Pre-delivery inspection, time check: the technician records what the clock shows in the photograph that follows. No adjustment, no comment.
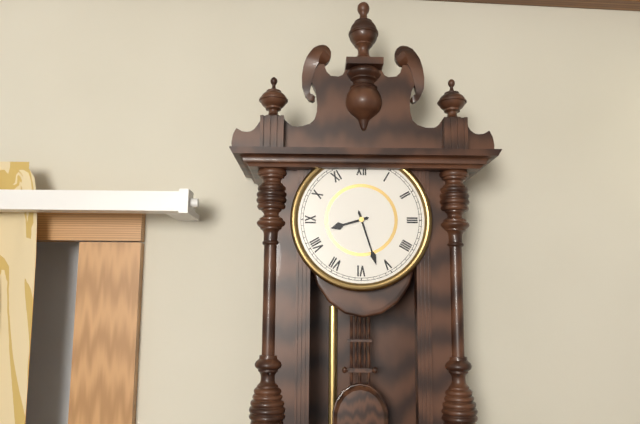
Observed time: 8:27
